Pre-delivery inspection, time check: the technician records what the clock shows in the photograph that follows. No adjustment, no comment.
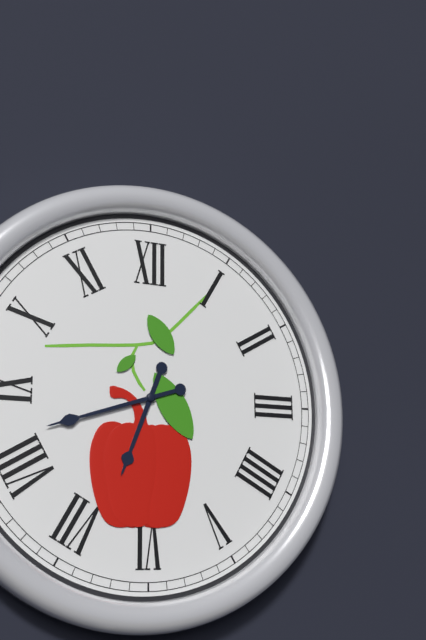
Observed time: 6:42
